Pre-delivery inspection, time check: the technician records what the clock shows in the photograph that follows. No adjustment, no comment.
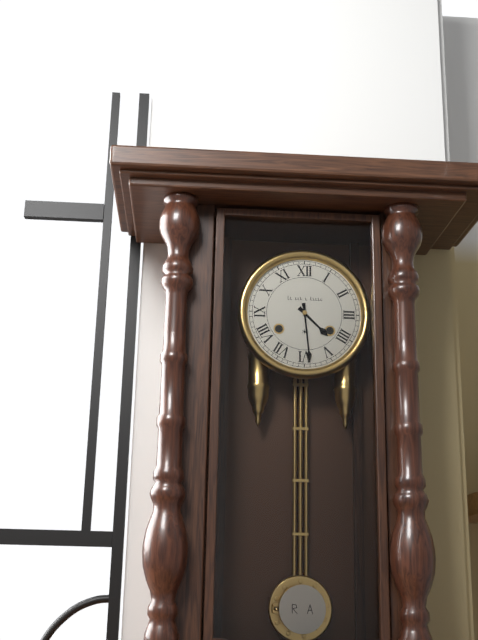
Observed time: 4:29
